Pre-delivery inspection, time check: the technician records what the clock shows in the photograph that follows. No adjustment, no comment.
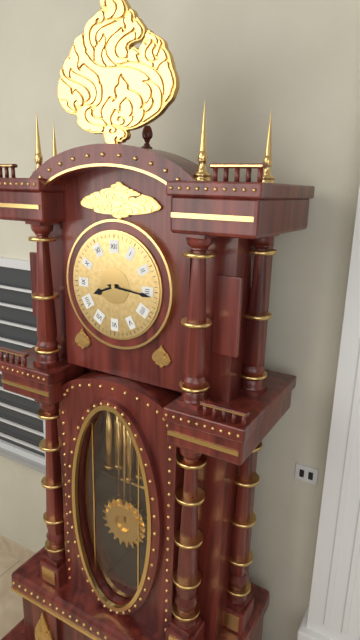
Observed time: 8:16
